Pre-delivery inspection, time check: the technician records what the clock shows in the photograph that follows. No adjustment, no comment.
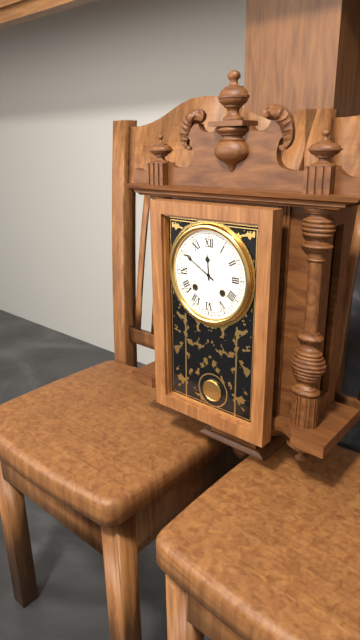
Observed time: 11:50
